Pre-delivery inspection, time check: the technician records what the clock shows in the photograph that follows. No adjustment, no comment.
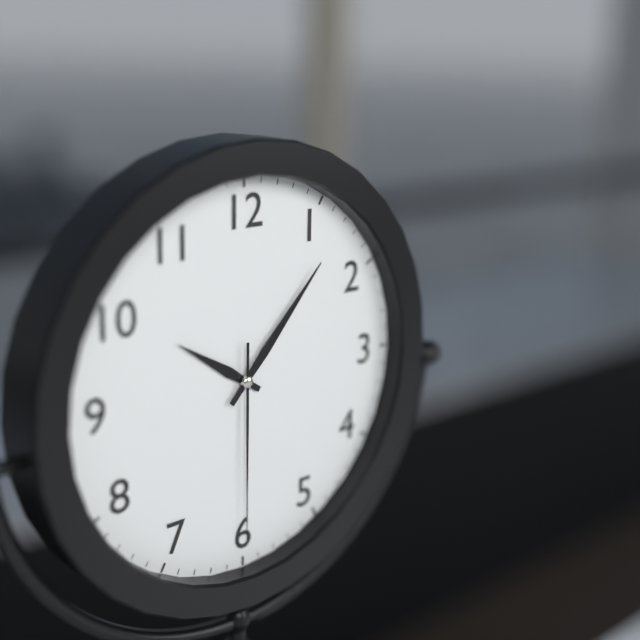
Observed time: 10:07:30
